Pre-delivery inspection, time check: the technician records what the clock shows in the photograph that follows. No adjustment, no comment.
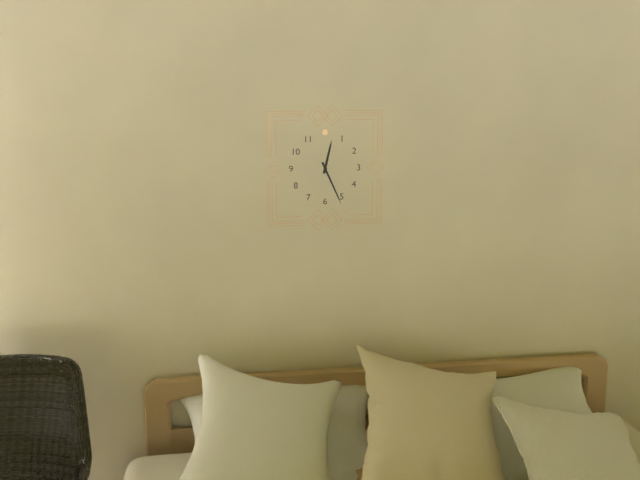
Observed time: 12:26
